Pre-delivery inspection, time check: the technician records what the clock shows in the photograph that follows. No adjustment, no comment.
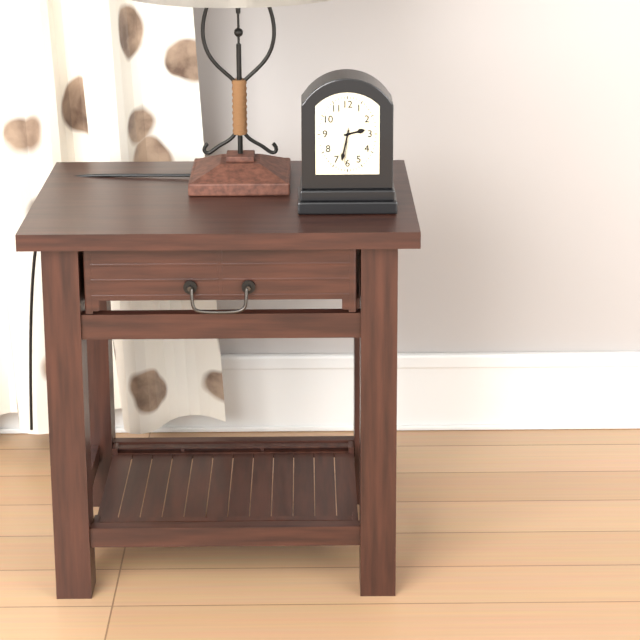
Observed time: 2:32
